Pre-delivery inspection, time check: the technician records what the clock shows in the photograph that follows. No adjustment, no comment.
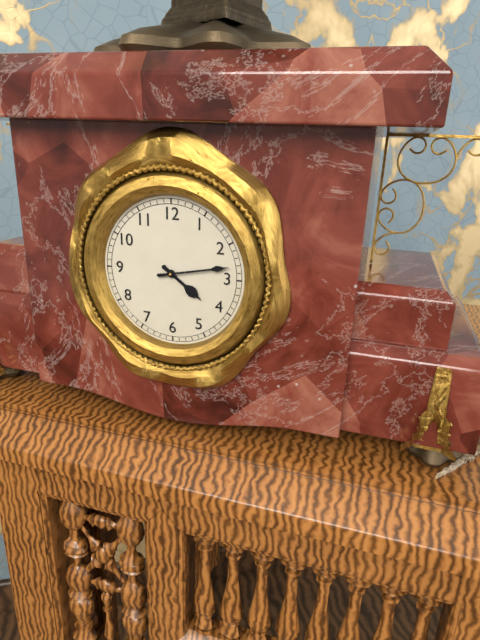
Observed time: 4:13
